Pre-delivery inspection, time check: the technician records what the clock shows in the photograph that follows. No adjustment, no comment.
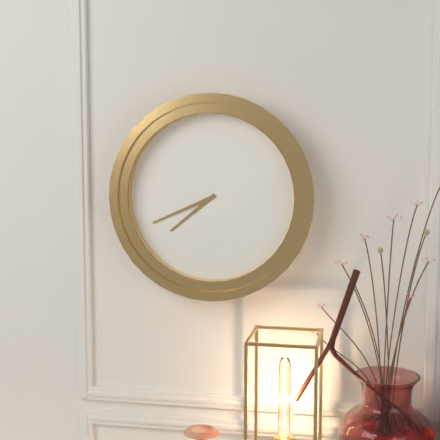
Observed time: 7:41
